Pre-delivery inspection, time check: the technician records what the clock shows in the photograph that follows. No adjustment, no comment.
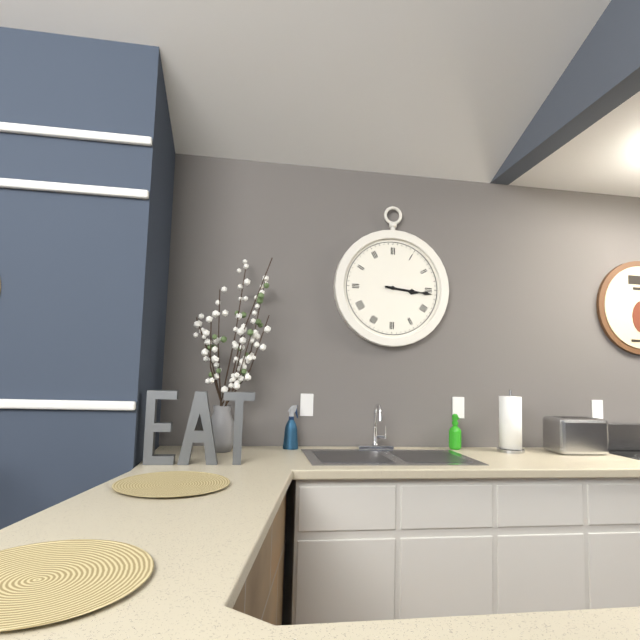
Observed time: 3:16
